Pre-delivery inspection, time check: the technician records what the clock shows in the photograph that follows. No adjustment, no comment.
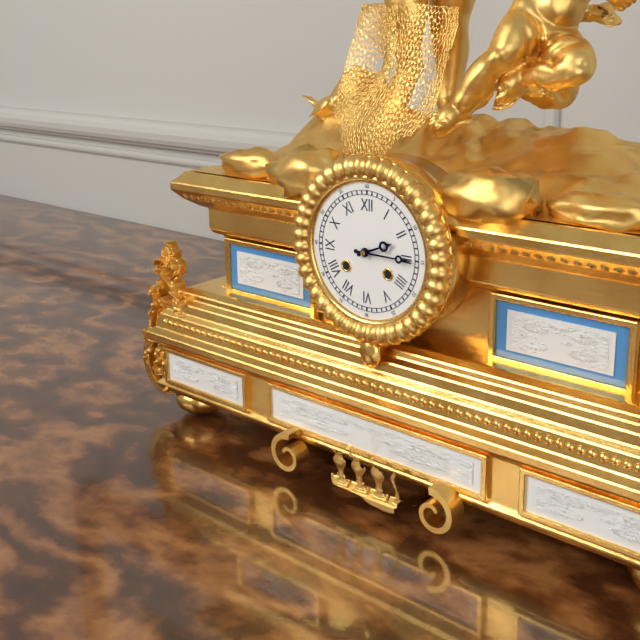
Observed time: 2:15
